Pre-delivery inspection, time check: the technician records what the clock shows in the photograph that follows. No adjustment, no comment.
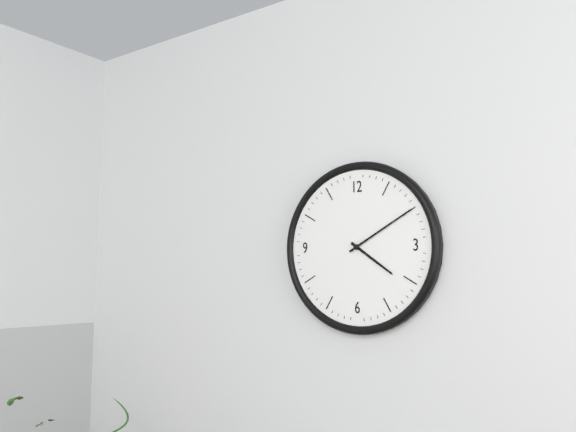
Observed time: 4:10
